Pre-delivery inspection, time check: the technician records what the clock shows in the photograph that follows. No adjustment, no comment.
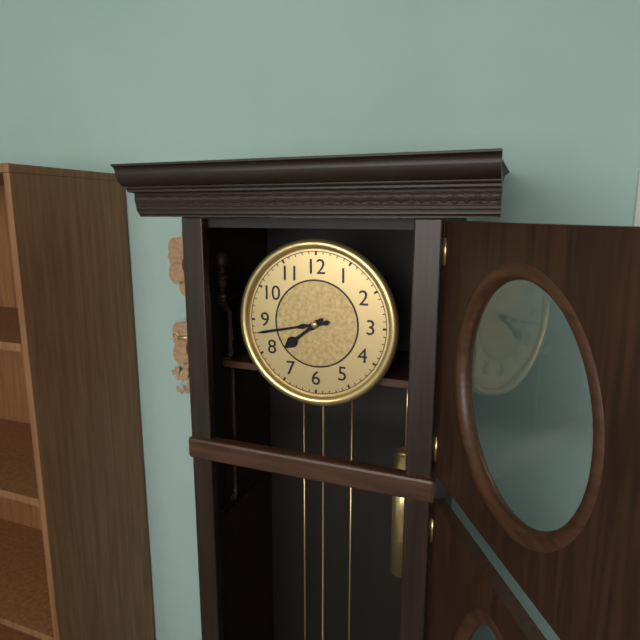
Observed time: 7:43
